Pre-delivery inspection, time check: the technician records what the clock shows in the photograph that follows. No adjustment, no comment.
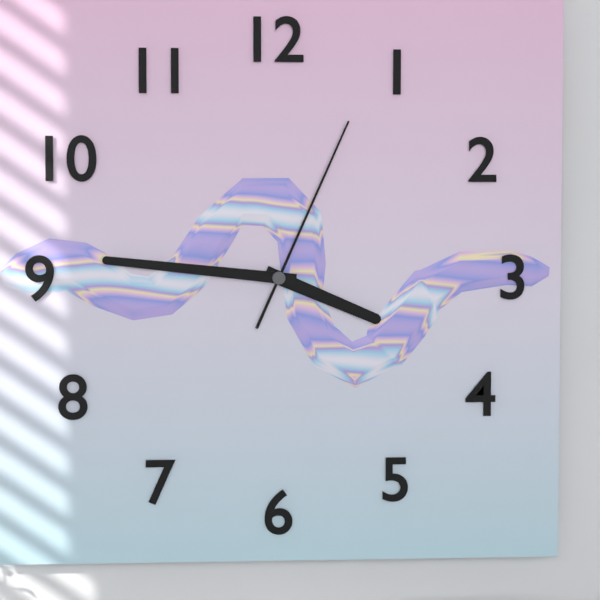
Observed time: 3:46:04
